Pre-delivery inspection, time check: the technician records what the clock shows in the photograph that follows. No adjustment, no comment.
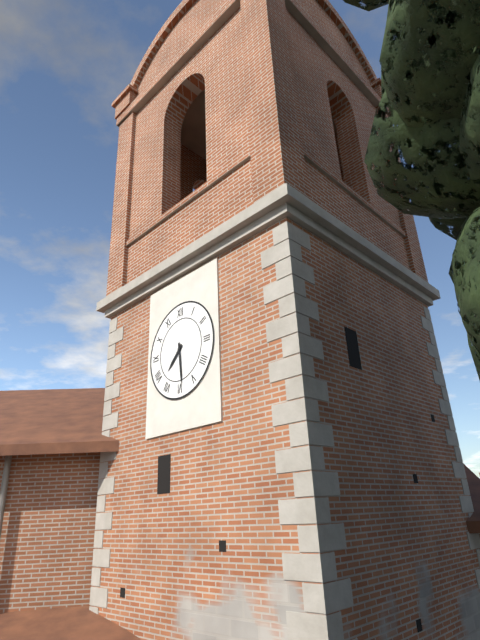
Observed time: 7:29
